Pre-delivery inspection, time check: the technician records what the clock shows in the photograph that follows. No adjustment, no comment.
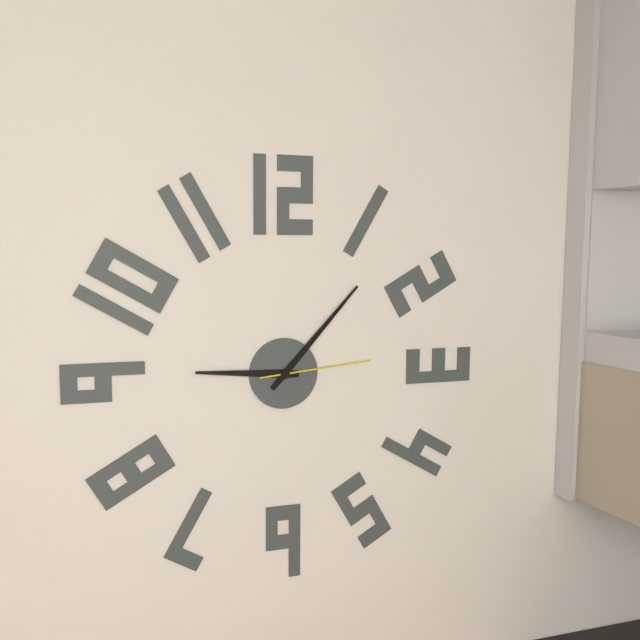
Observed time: 9:07:14
